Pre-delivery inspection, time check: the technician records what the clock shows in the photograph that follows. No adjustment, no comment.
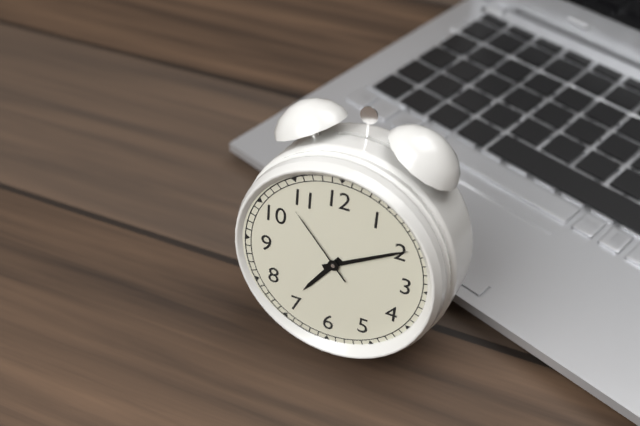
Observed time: 7:10:53
